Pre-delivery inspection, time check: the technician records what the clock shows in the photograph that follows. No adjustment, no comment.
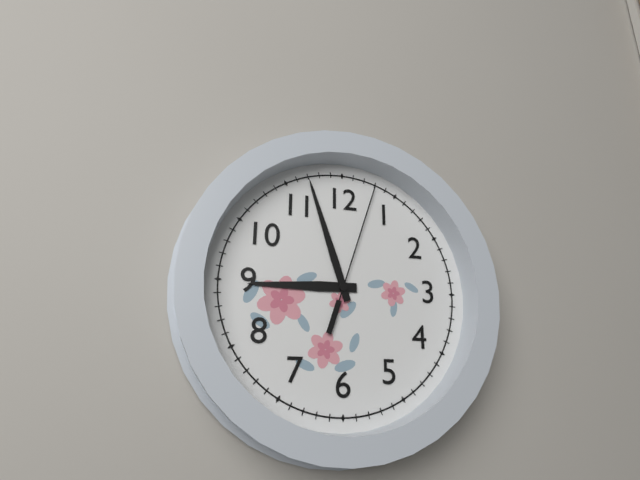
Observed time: 8:57:03
